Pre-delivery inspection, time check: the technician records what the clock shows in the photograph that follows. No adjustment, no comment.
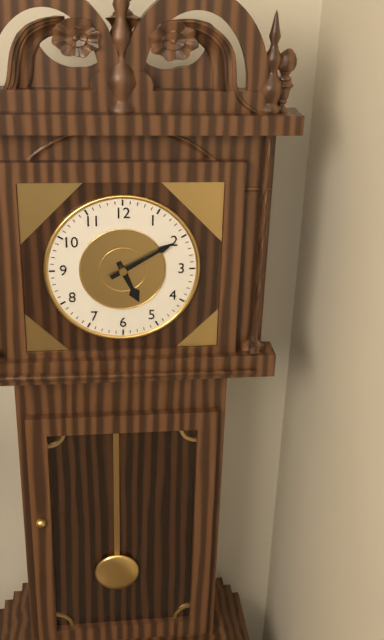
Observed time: 5:10
